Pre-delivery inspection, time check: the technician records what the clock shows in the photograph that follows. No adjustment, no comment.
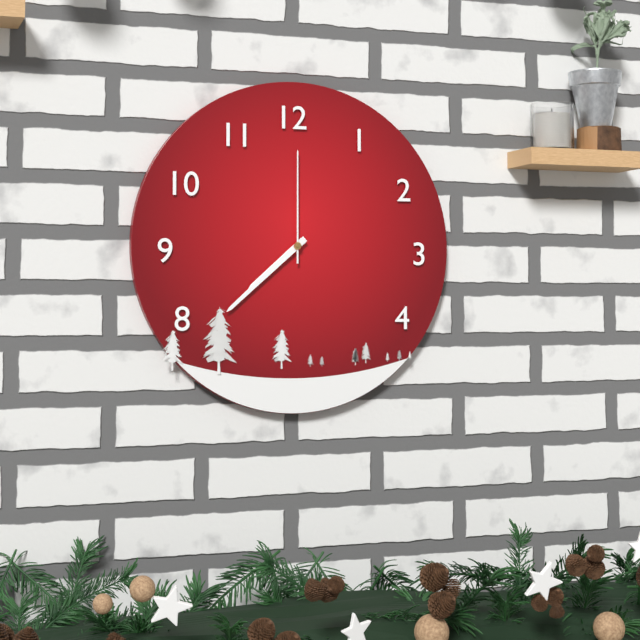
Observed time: 7:38:00
